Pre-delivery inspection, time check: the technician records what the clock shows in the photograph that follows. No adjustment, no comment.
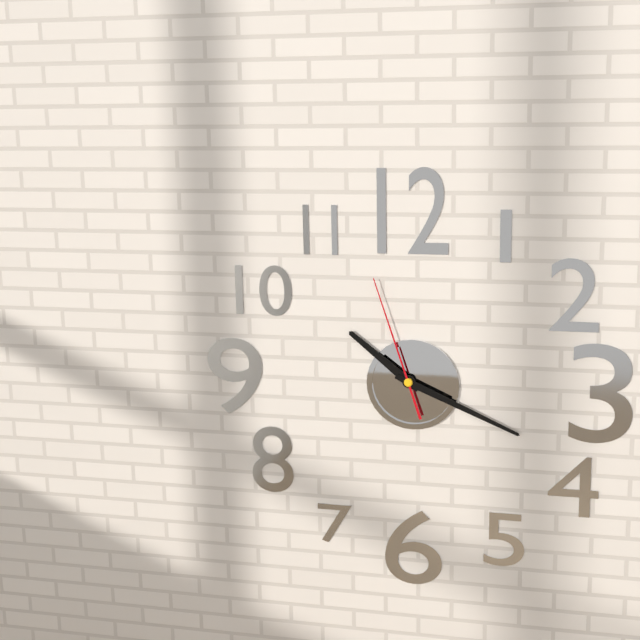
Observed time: 10:19:57
